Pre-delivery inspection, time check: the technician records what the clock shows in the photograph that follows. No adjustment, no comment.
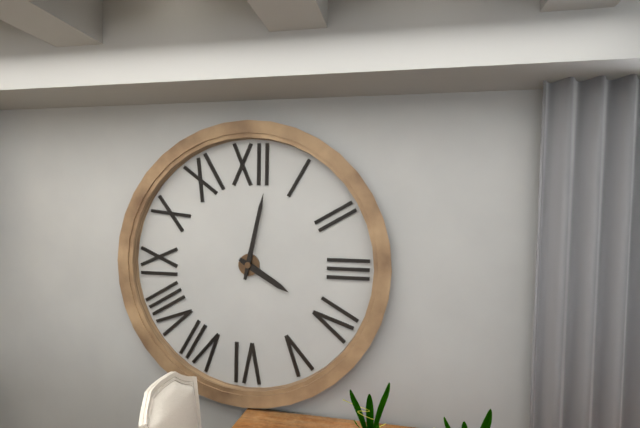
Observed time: 4:02
